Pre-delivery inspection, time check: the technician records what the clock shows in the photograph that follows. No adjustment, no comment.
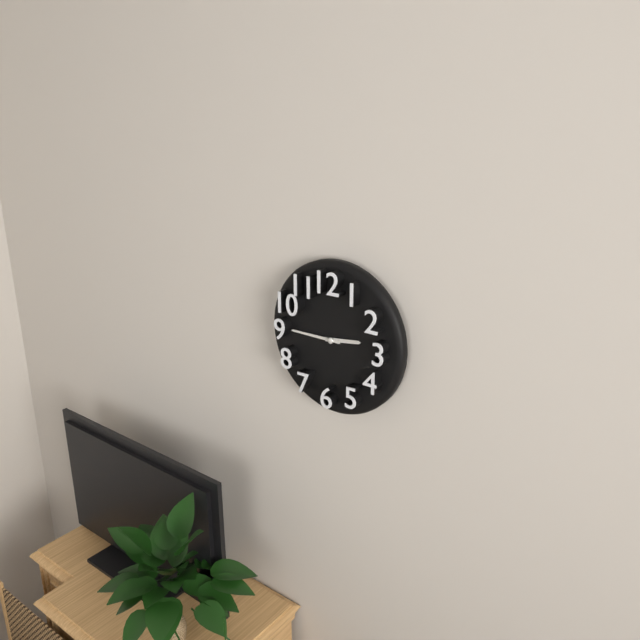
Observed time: 2:45
